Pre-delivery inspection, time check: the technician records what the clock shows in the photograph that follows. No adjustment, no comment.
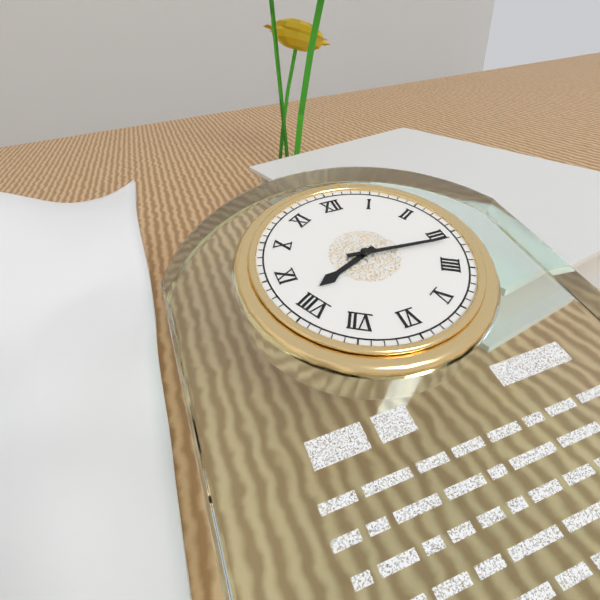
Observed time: 8:16
